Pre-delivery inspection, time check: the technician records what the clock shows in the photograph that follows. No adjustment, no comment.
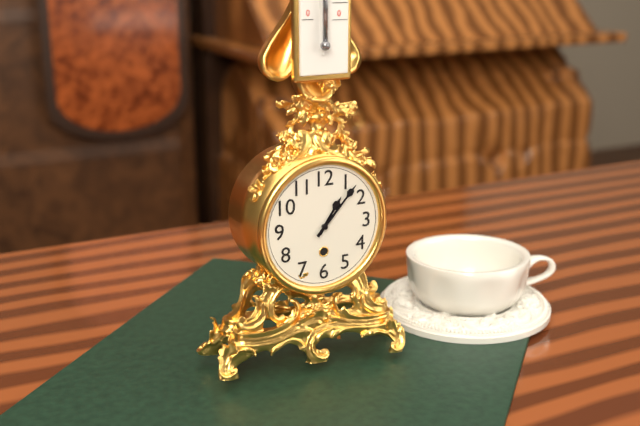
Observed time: 1:07
